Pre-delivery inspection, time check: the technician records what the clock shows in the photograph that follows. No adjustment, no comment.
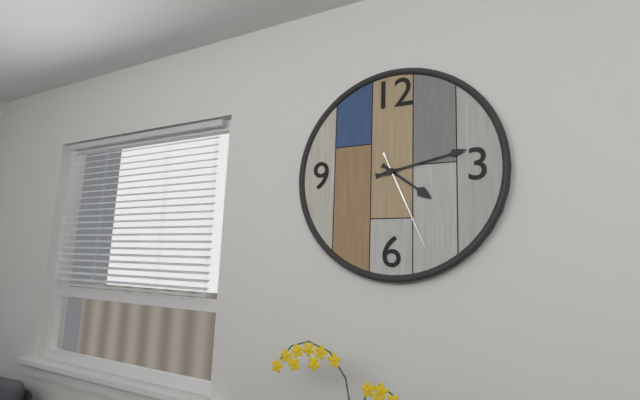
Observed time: 4:13:26
